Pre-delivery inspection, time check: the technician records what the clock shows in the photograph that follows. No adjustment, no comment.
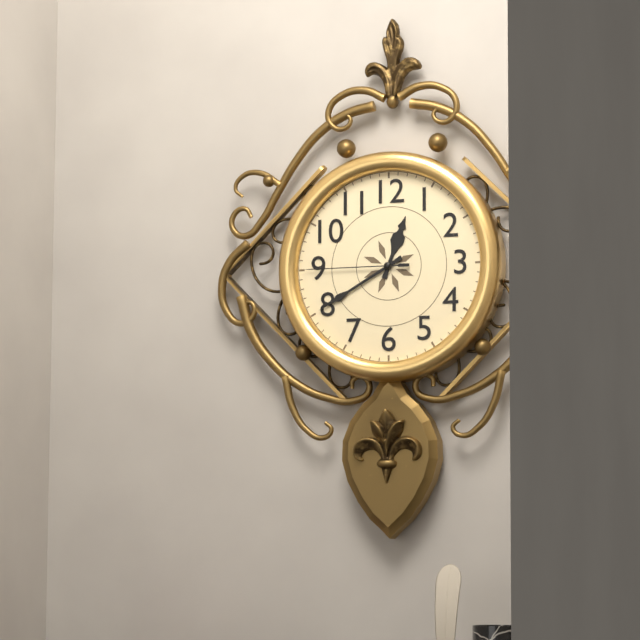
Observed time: 12:40:45
